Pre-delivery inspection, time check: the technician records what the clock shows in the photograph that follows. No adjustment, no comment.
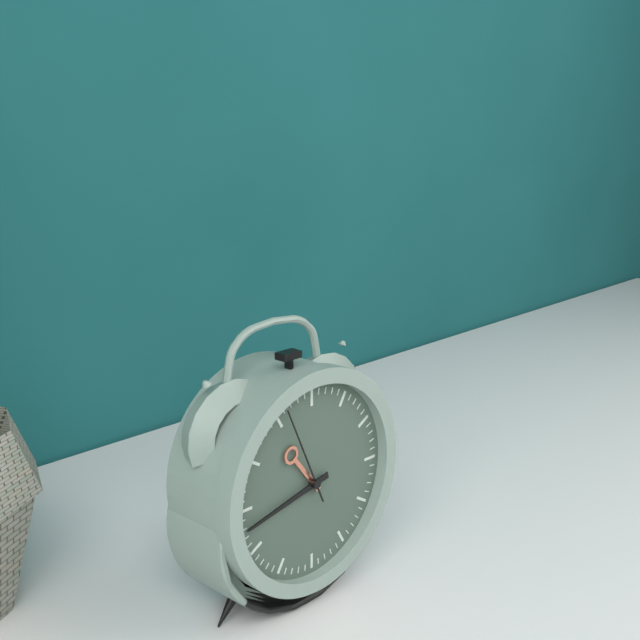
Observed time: 10:43:56
